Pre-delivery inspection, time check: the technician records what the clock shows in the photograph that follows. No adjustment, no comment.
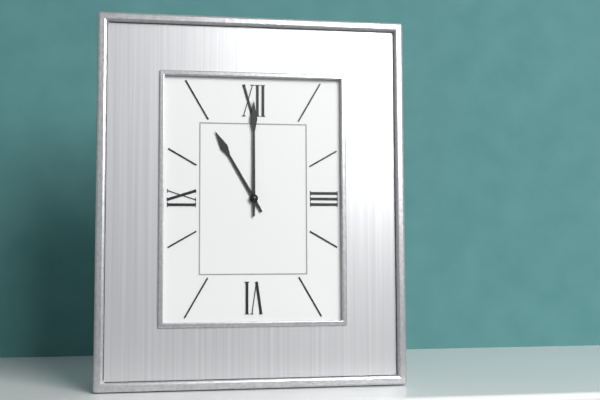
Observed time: 11:00
